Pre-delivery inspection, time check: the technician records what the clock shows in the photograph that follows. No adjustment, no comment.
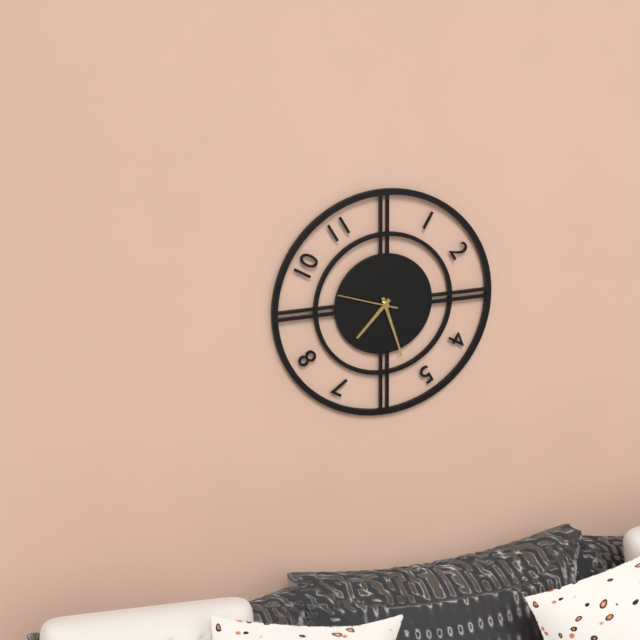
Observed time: 7:27:48
